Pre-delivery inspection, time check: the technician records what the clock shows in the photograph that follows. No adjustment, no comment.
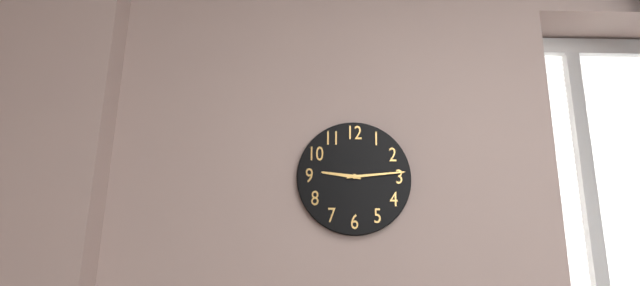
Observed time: 9:14
